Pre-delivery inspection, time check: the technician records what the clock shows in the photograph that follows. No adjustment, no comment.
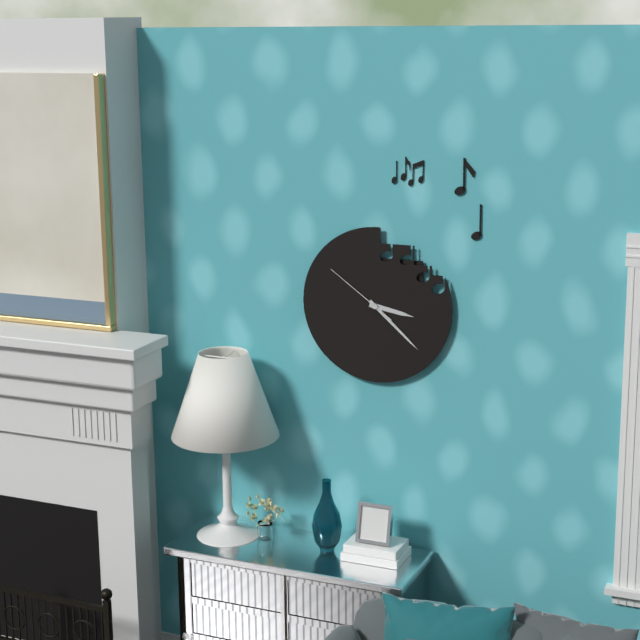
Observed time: 3:22:51
